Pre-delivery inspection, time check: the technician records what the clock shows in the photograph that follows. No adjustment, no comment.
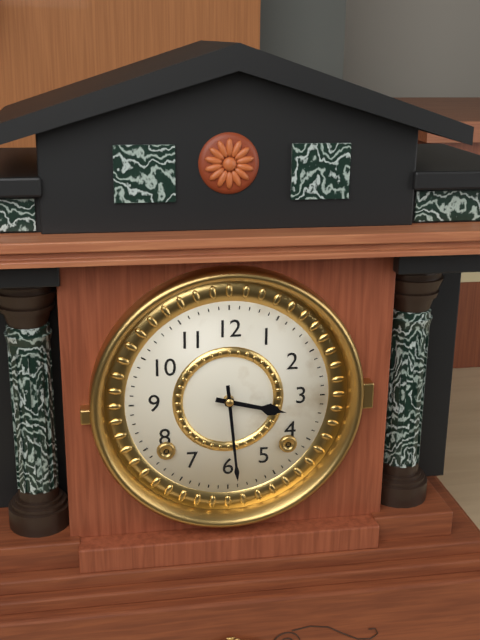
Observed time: 3:29
